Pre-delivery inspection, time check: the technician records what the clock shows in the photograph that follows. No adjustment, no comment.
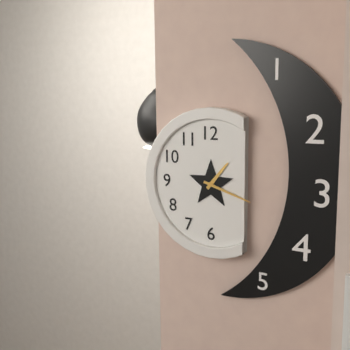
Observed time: 1:18
